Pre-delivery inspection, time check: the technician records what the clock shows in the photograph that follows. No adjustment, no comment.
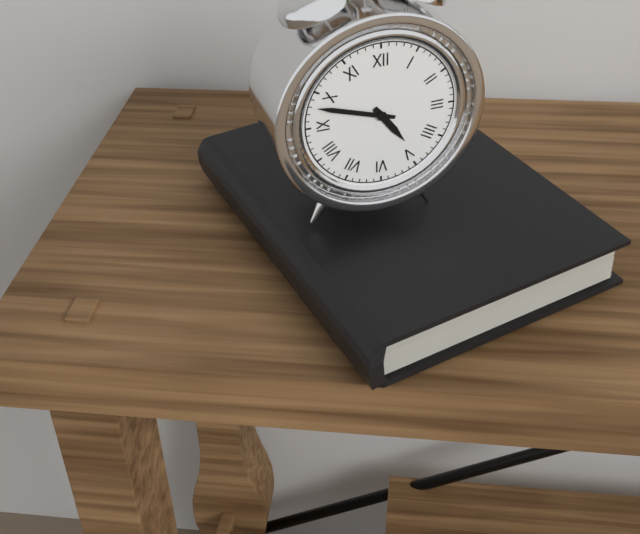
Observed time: 4:48
